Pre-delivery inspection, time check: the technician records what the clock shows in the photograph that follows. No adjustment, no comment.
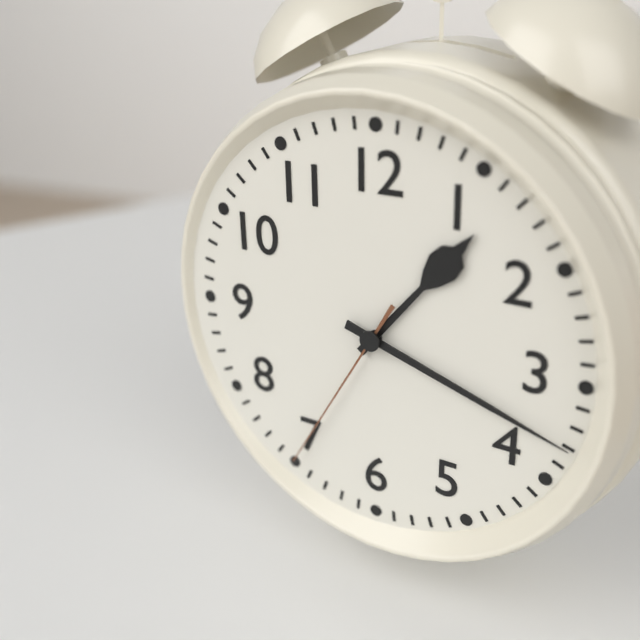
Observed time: 1:18:35
